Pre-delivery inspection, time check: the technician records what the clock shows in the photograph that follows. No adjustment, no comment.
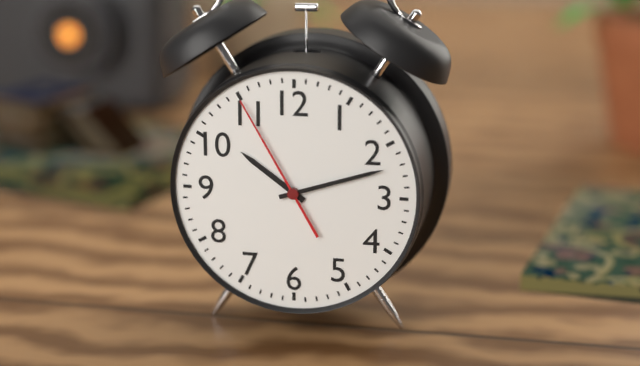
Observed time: 10:12:55
